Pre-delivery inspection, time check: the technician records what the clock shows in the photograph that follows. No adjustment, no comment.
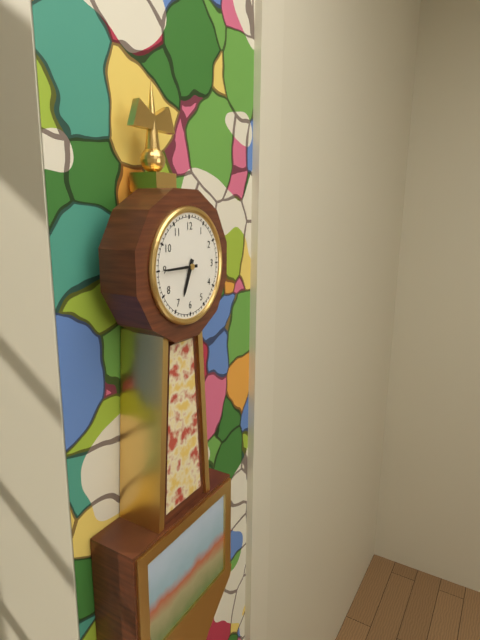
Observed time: 6:45
